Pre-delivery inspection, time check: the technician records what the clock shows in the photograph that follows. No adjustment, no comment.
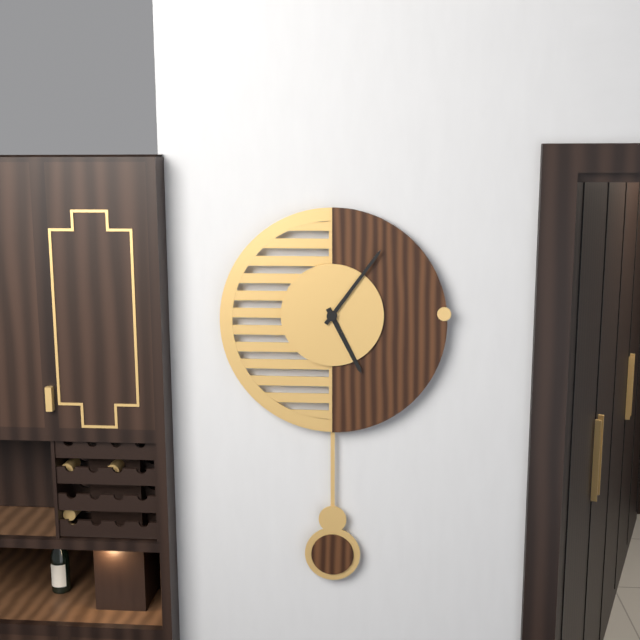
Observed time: 5:06
